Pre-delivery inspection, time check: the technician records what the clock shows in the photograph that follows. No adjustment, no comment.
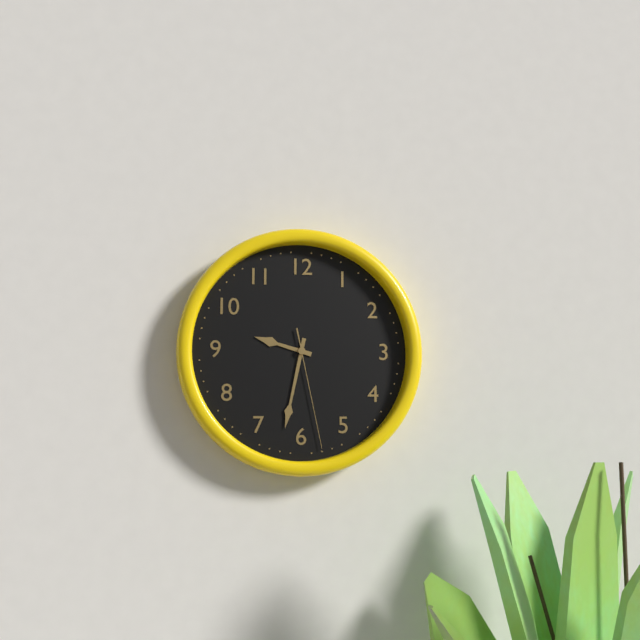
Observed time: 9:32:28
